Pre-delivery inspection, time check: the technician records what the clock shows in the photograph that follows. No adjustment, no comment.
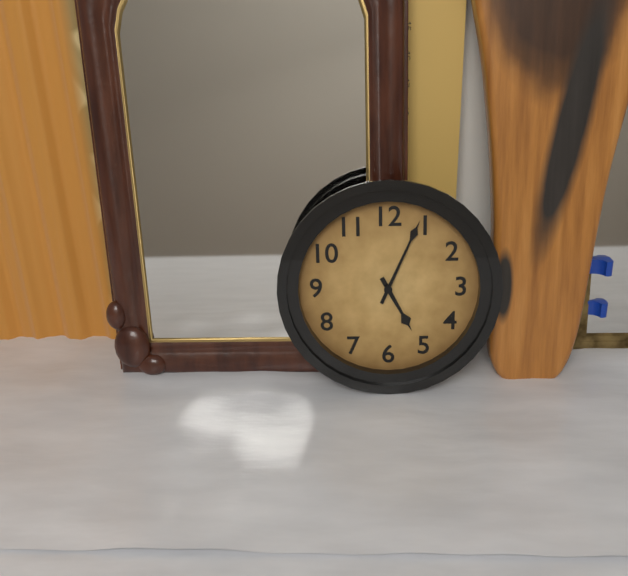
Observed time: 5:04
